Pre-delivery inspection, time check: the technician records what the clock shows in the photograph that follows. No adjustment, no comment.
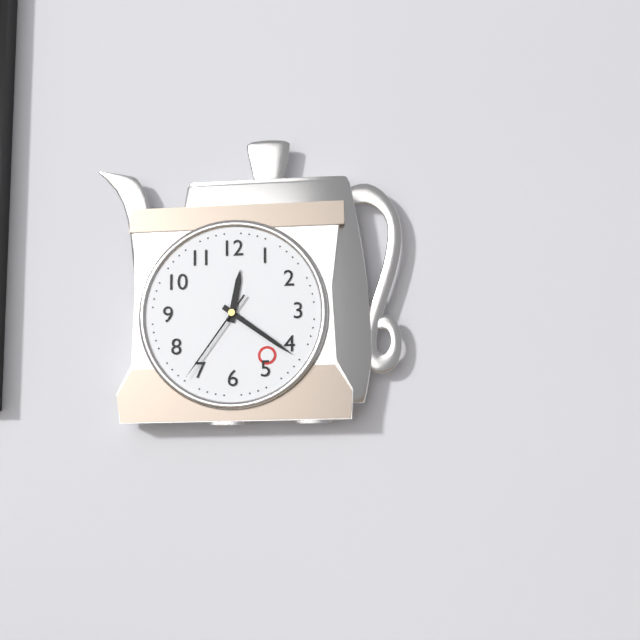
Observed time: 12:21:36
